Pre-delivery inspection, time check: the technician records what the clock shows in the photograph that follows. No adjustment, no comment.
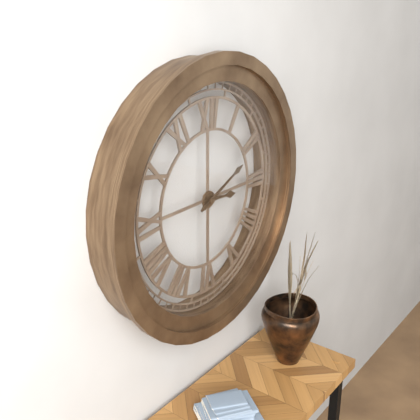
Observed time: 3:11
